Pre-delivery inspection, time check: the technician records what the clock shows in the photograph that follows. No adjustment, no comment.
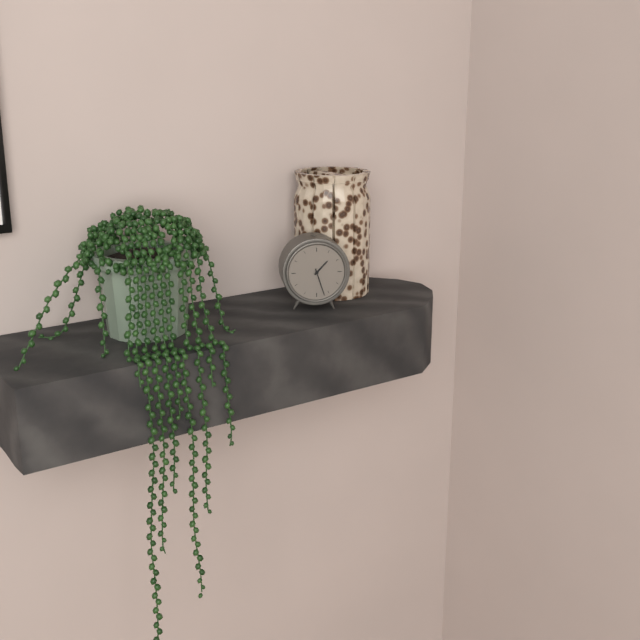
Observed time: 1:27
